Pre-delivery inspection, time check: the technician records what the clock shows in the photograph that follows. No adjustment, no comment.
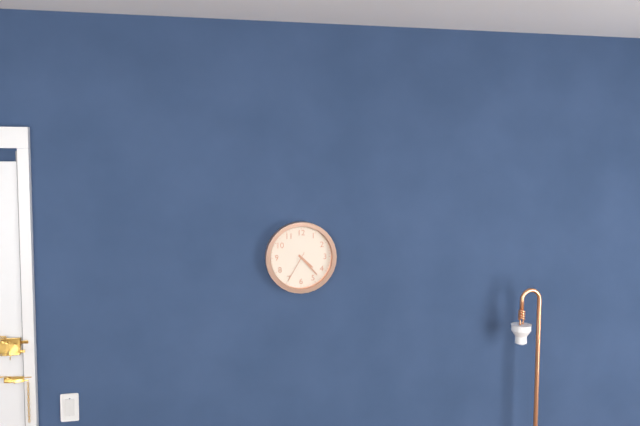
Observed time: 4:23
